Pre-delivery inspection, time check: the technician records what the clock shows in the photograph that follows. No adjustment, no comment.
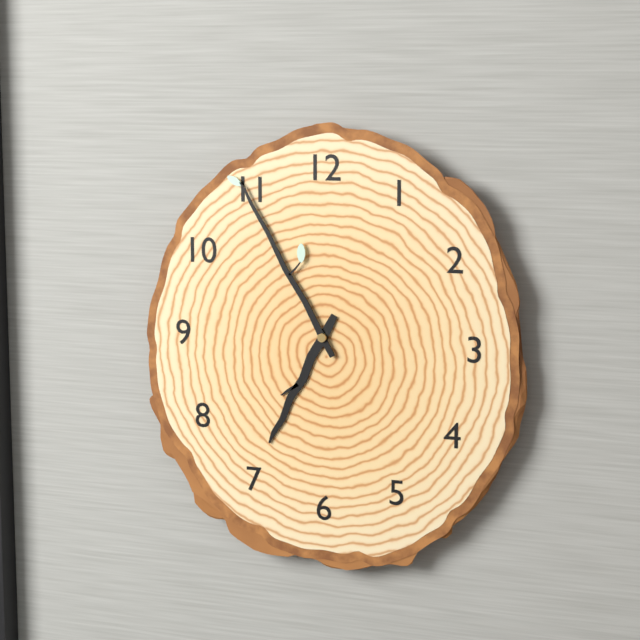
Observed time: 6:55
